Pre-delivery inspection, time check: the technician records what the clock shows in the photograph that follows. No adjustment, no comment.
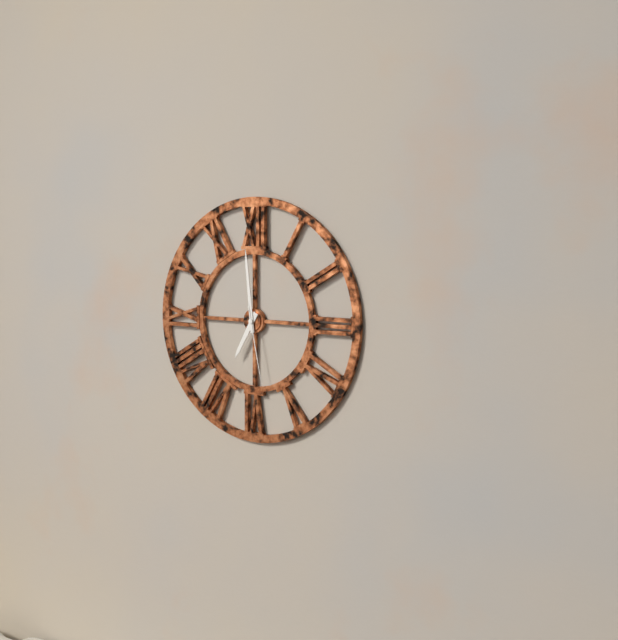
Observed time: 6:59:28
